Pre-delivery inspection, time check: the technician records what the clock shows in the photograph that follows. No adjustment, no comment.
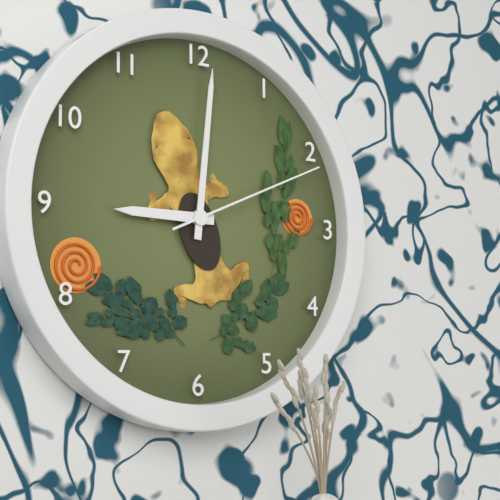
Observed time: 9:01:11
